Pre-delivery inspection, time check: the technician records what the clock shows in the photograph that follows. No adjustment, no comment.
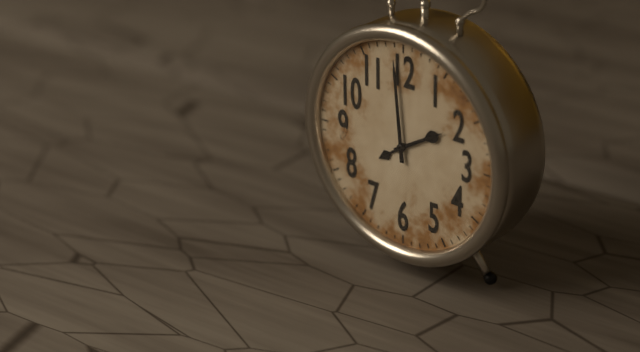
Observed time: 1:59
